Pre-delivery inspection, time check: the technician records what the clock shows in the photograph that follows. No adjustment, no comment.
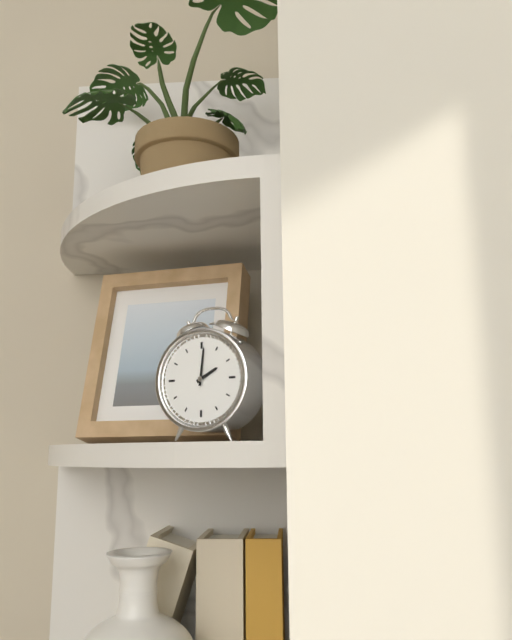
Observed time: 2:01
